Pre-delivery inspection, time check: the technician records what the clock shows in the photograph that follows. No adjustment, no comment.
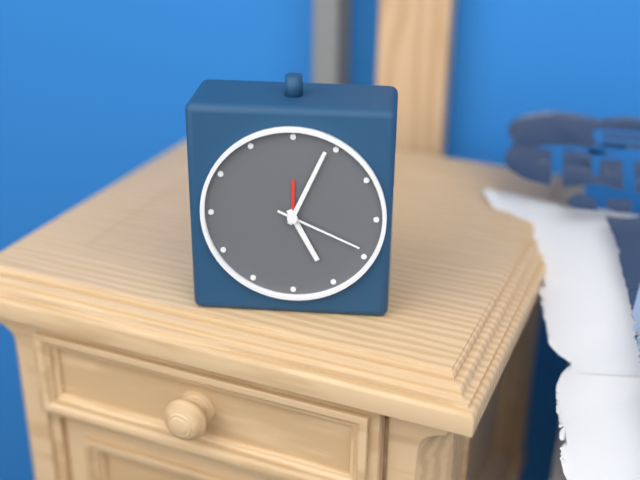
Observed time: 5:04:19
